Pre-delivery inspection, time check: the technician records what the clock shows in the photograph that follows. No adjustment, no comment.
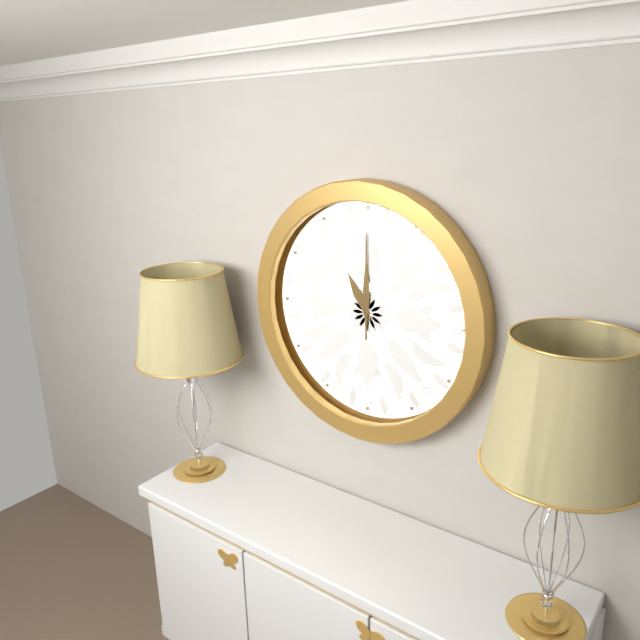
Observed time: 11:00
